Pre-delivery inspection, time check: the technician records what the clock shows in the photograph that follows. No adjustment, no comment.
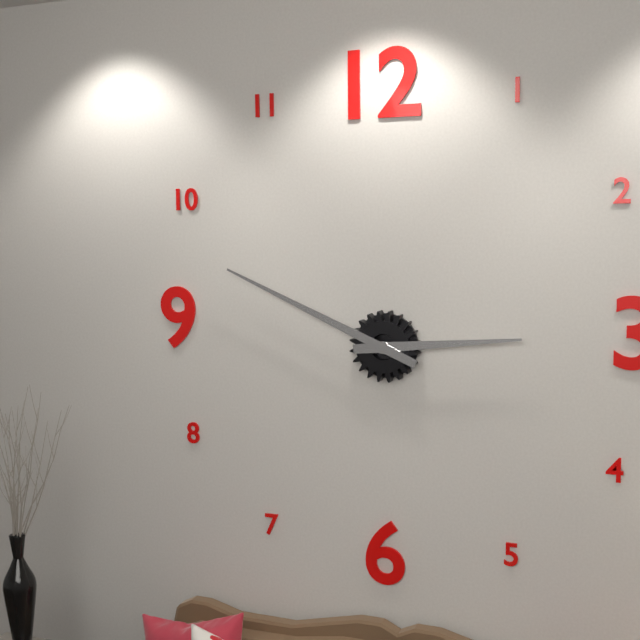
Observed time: 2:49
